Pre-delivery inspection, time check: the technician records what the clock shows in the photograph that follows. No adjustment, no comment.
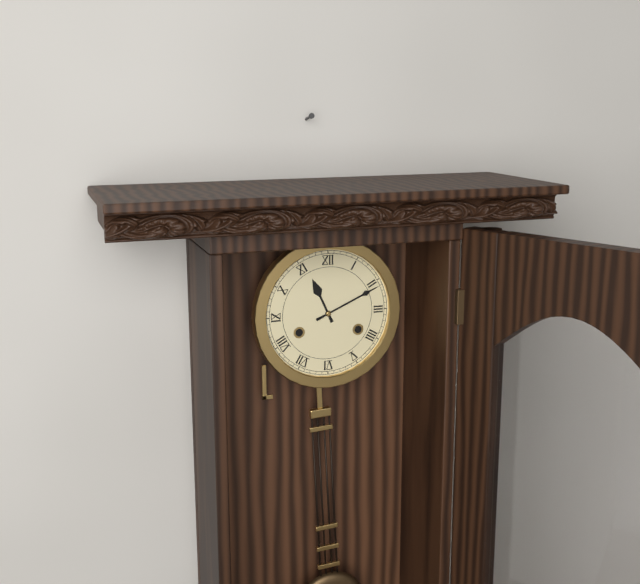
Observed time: 11:11
